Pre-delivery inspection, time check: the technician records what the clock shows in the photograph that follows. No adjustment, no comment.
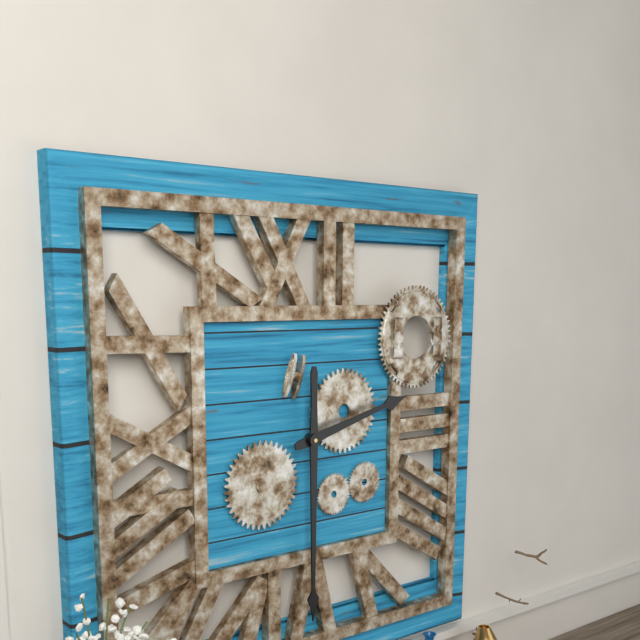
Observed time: 2:30
